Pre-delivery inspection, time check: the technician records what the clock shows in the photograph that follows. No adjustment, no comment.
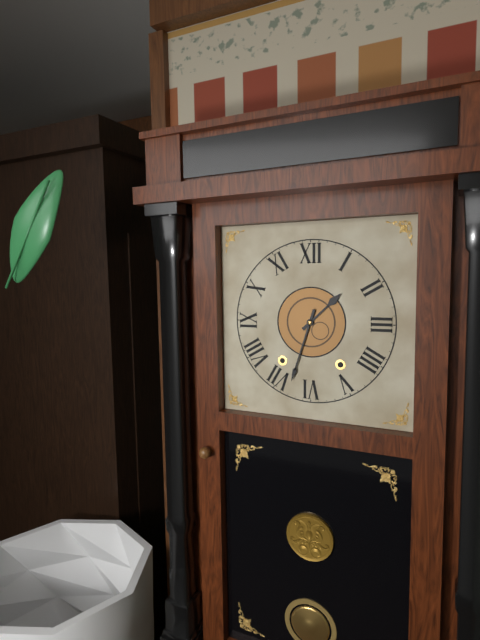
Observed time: 1:33
